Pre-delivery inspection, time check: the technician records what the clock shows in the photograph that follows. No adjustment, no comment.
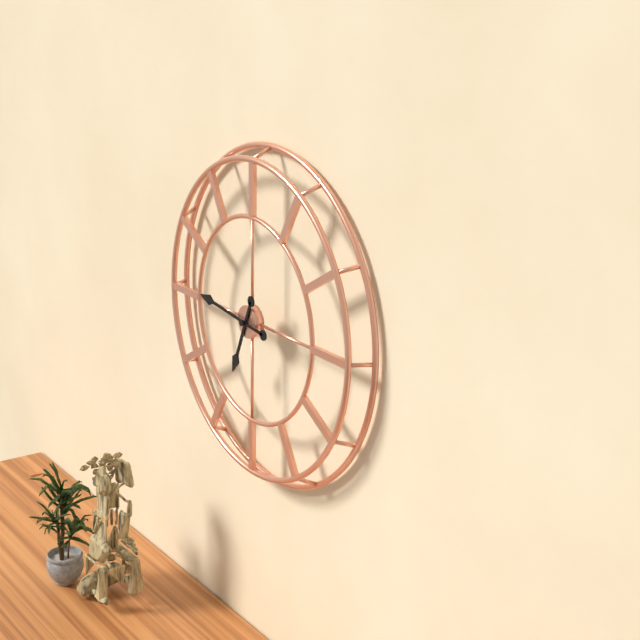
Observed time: 6:46
